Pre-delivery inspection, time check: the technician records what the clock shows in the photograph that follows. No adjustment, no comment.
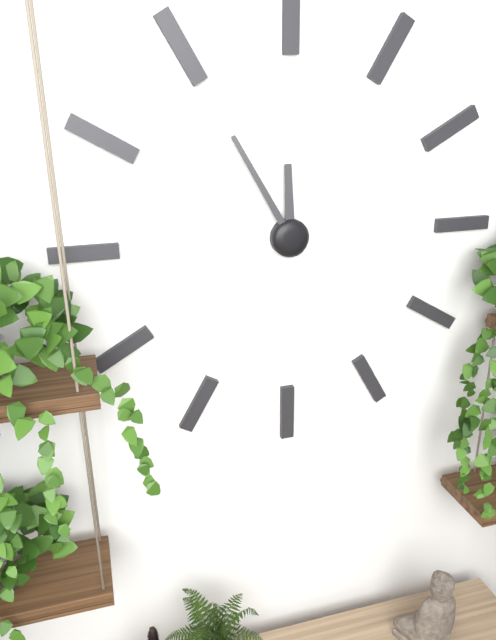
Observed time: 11:55
